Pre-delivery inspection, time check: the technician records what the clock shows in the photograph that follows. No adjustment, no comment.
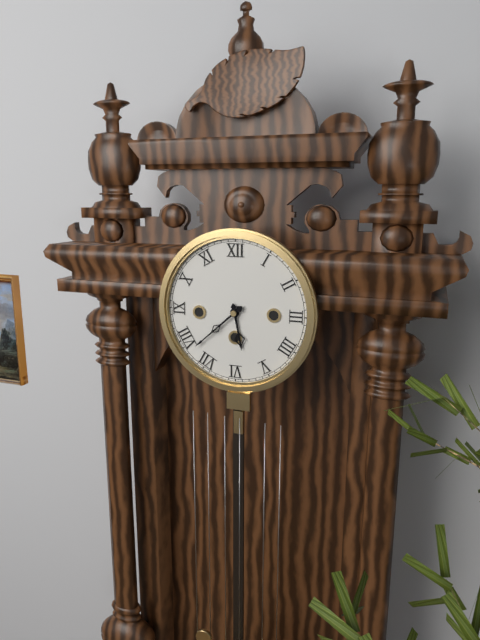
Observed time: 5:38
